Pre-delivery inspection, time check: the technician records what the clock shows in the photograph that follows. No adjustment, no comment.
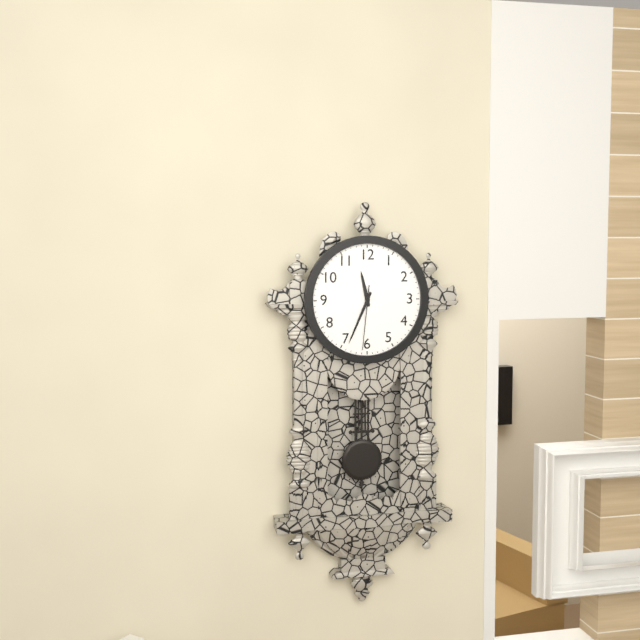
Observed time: 11:34:31
